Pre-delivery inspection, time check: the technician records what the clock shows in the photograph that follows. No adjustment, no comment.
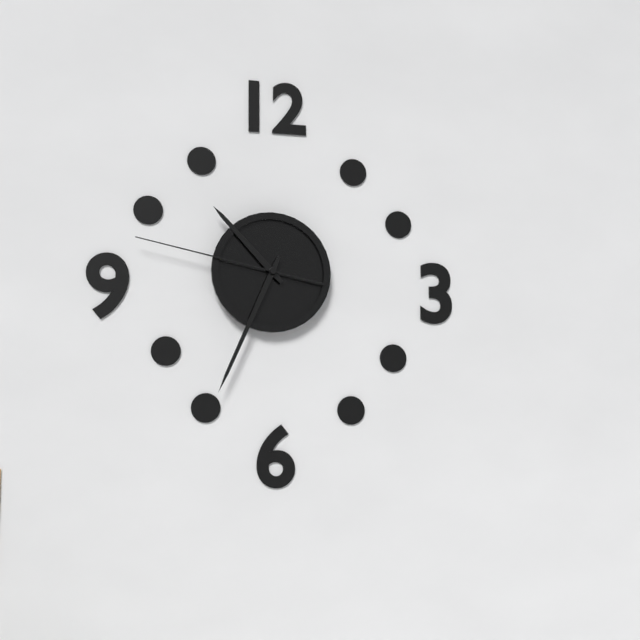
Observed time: 10:34:47
